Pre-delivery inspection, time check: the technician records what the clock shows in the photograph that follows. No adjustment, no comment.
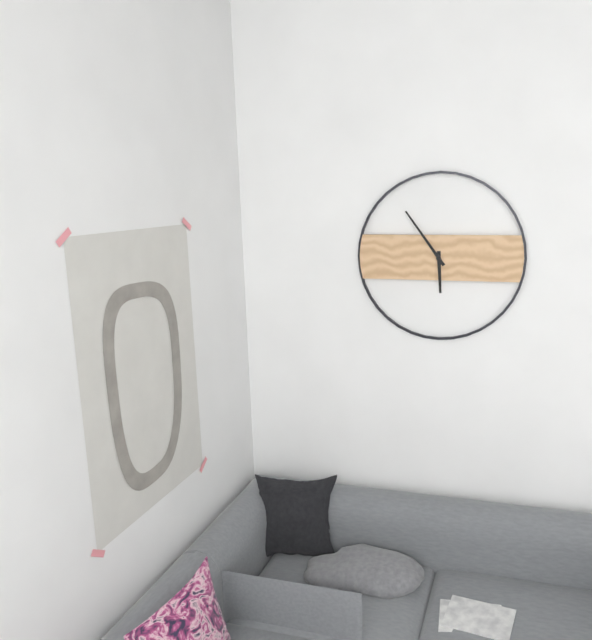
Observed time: 5:54
